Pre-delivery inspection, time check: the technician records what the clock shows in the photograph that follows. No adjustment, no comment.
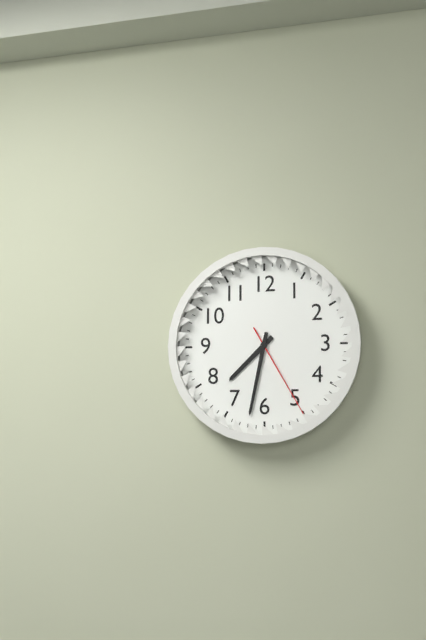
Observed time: 7:32:25
